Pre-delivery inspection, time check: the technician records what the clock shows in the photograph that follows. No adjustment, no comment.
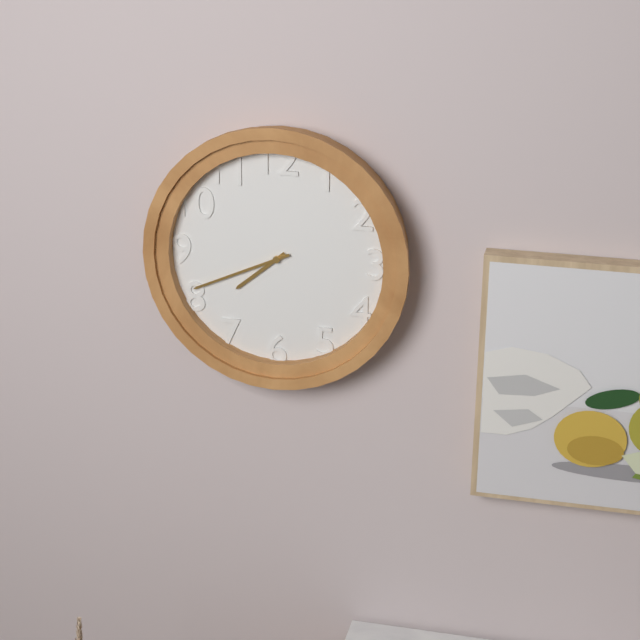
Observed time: 7:41
